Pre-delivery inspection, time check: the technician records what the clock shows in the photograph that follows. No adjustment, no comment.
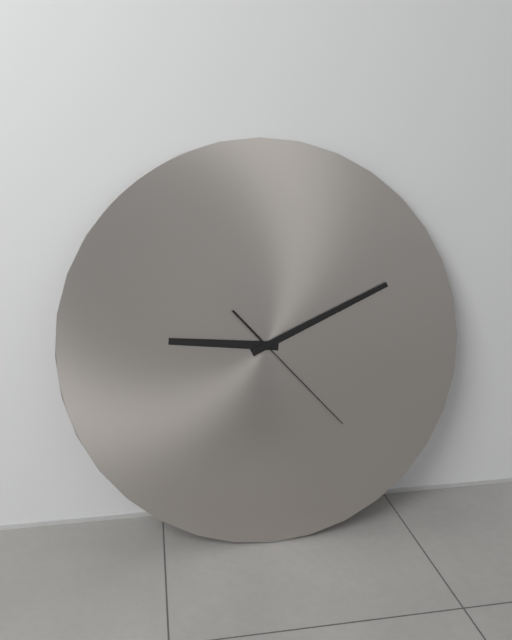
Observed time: 9:11:23
